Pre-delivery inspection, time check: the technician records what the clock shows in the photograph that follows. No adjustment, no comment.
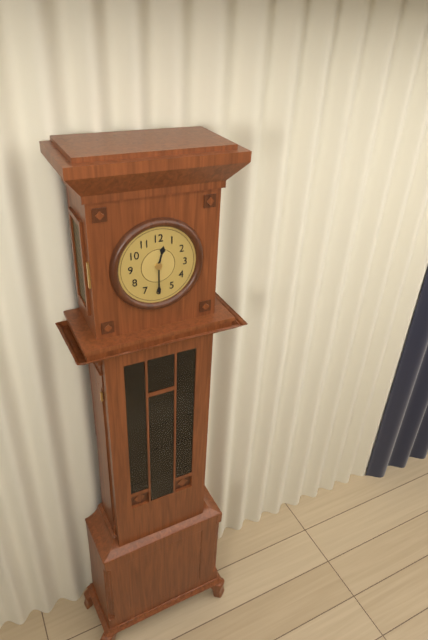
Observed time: 12:30
